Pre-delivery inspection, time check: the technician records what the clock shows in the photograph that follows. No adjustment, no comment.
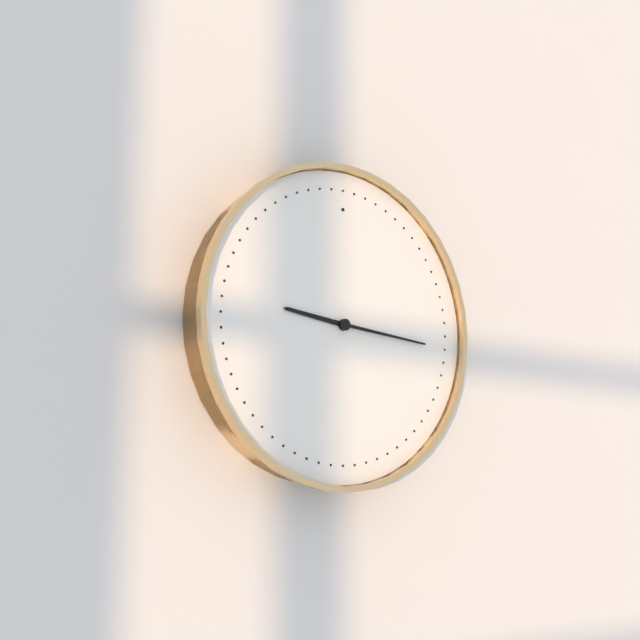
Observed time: 9:16
